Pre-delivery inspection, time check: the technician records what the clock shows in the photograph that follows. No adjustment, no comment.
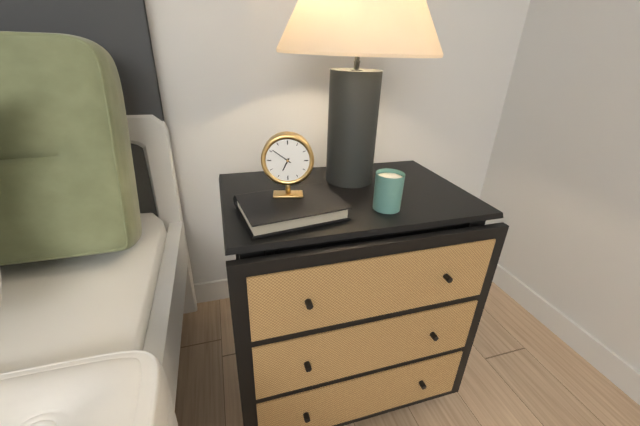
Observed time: 6:51
